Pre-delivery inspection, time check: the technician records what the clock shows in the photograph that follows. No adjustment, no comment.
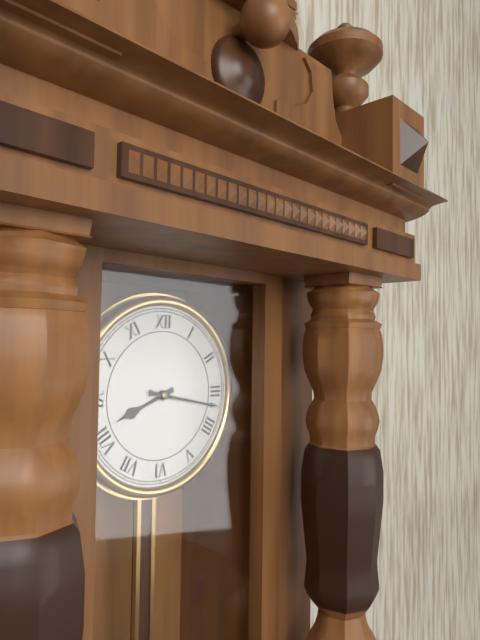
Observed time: 8:17
